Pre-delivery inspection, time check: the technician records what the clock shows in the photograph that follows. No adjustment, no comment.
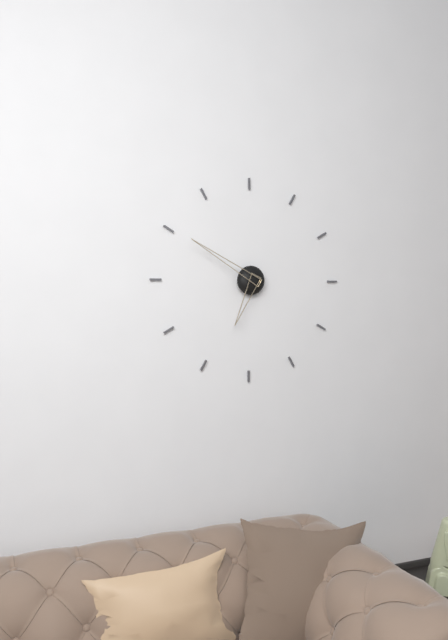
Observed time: 6:50
